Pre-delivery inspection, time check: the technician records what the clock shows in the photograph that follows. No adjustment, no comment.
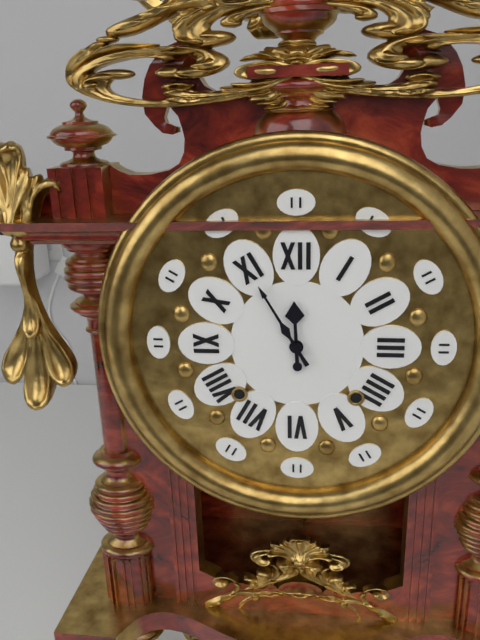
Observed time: 11:55
